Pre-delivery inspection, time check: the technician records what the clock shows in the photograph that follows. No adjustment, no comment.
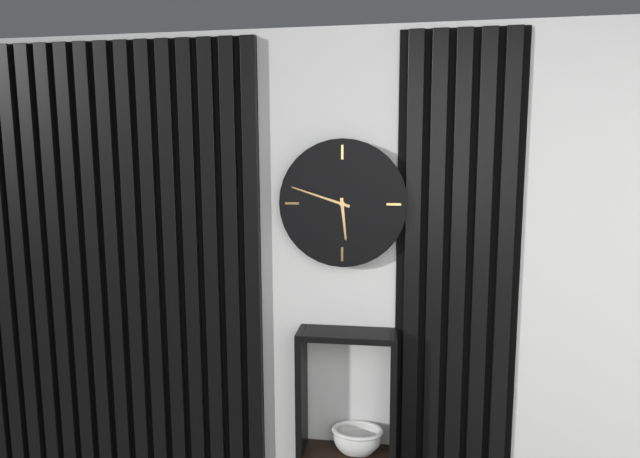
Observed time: 5:48
